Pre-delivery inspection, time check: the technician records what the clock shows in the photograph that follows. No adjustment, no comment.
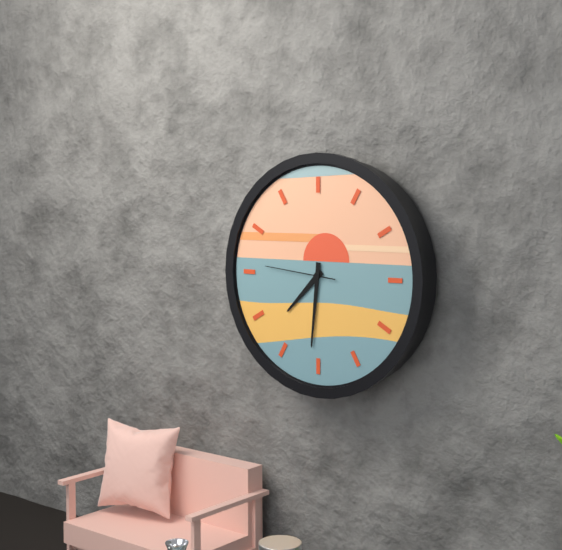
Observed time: 7:31:46
